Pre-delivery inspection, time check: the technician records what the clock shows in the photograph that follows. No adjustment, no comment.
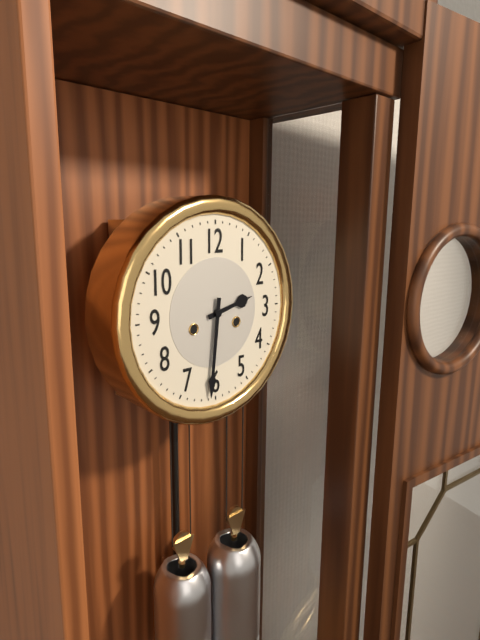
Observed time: 2:31
